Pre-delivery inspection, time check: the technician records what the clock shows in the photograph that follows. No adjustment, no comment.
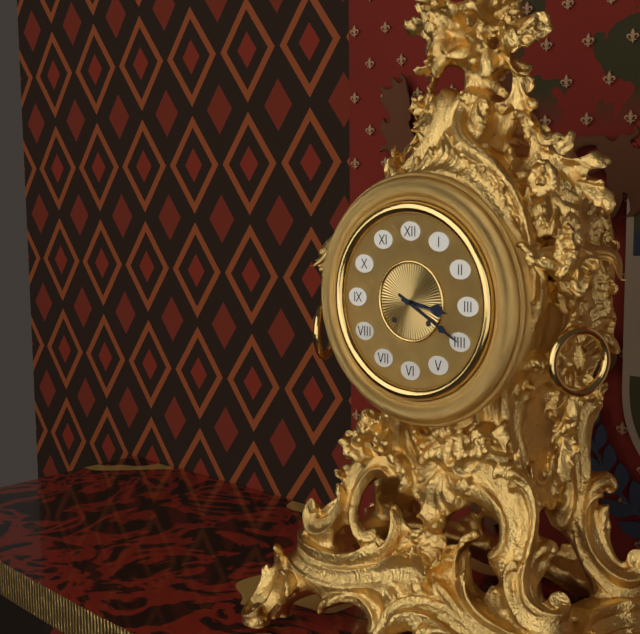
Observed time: 3:20
